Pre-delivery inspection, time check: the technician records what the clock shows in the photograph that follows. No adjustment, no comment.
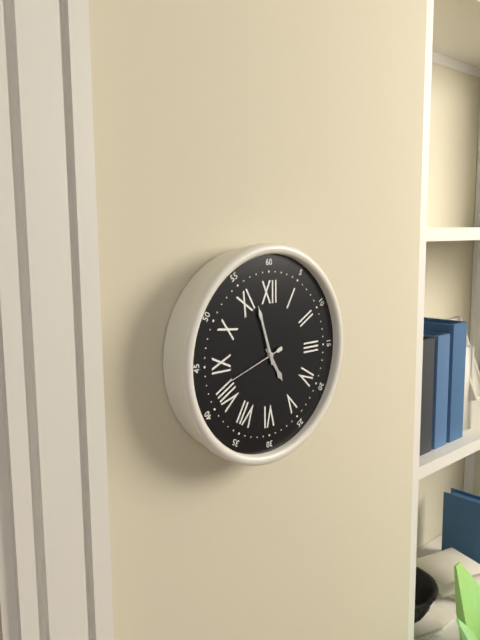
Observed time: 4:57:42
